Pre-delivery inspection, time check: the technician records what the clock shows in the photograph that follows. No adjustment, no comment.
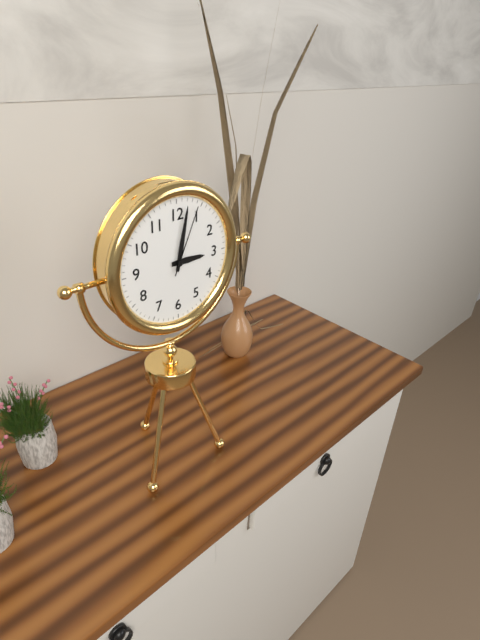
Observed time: 3:02:04
